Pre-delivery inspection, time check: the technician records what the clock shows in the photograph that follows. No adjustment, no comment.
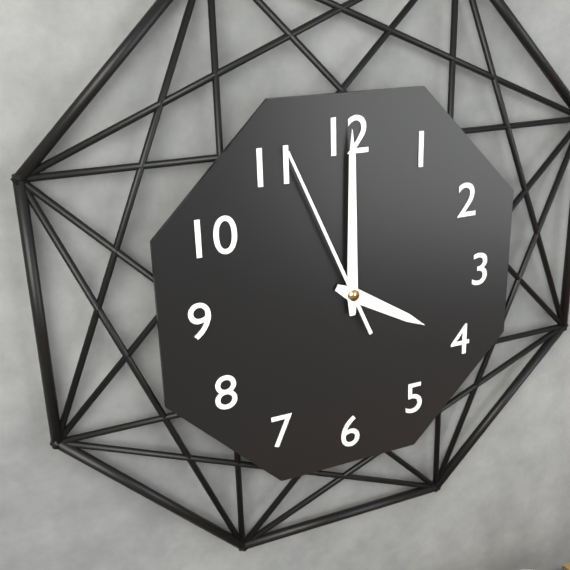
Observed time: 4:00:56
